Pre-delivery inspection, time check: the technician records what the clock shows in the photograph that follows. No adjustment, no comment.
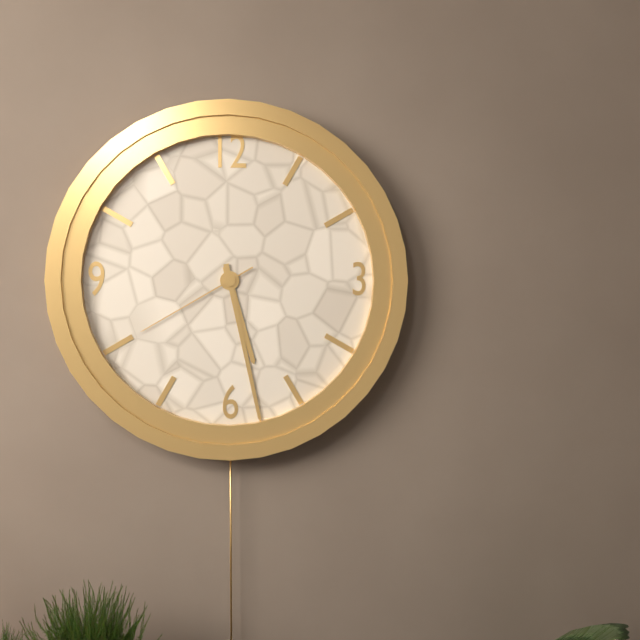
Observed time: 5:28:40
